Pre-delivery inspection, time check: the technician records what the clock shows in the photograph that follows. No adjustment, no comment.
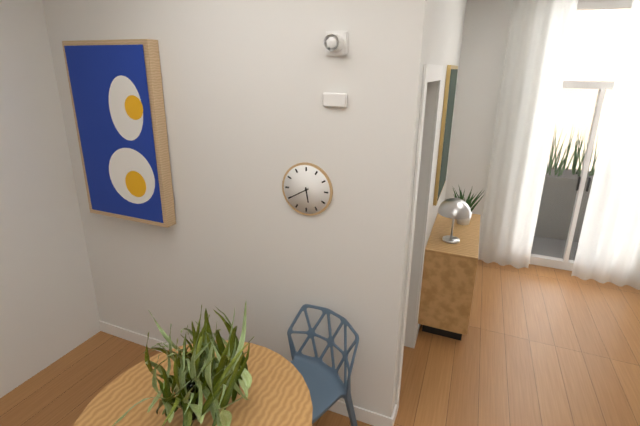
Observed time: 5:40
